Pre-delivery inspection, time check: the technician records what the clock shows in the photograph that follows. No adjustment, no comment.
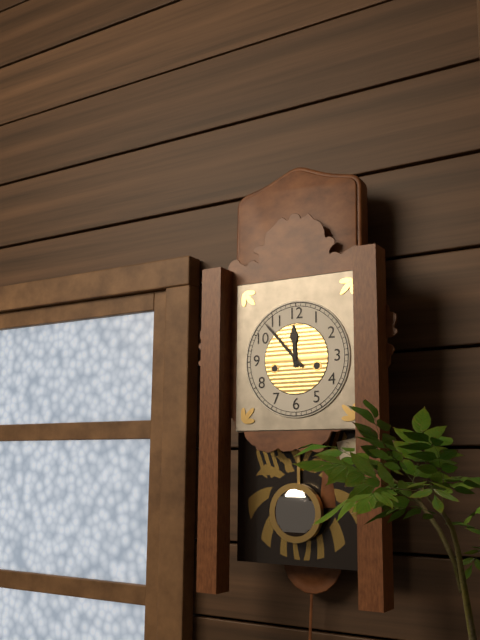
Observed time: 11:53
